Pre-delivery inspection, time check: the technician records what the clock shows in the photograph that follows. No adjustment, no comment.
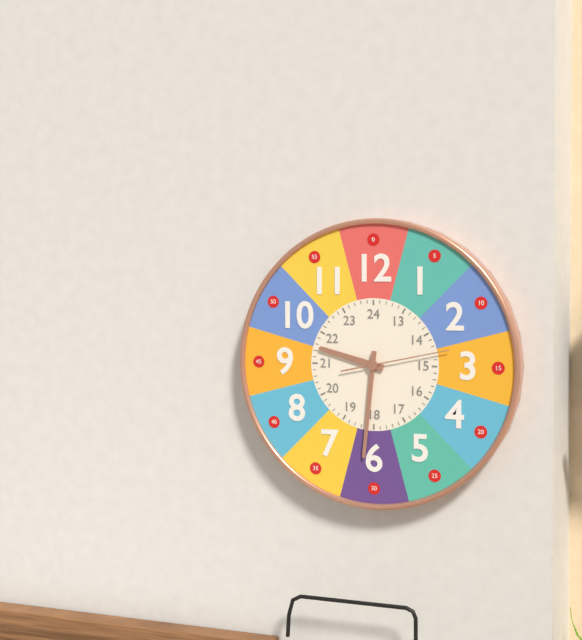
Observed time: 9:31:13
